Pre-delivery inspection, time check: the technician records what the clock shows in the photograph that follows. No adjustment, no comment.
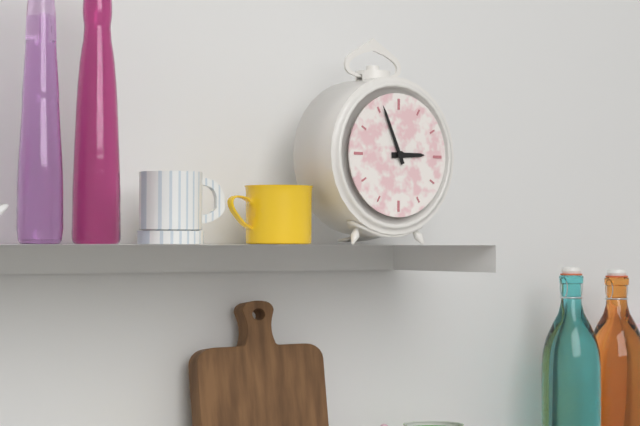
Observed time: 2:56
